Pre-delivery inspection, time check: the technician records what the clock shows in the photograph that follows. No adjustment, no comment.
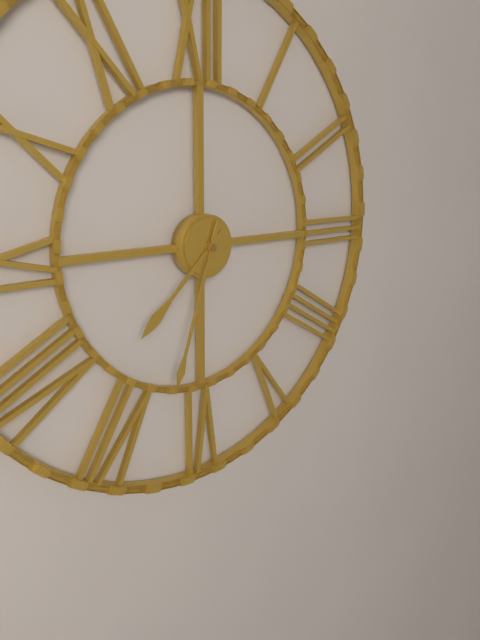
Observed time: 7:33
